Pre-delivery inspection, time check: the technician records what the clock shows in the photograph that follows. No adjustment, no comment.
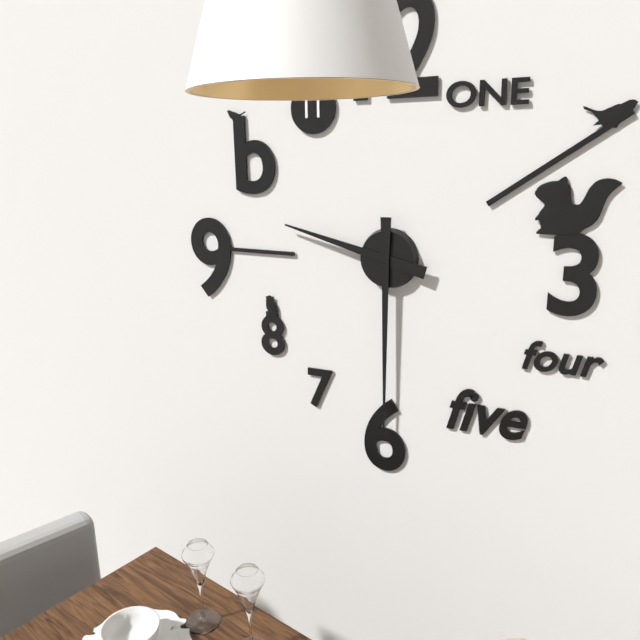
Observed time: 9:30
